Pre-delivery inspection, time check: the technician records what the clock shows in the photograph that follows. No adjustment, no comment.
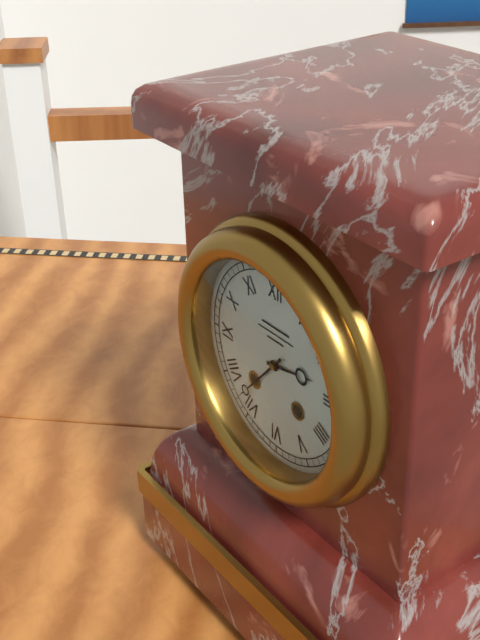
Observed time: 2:37
